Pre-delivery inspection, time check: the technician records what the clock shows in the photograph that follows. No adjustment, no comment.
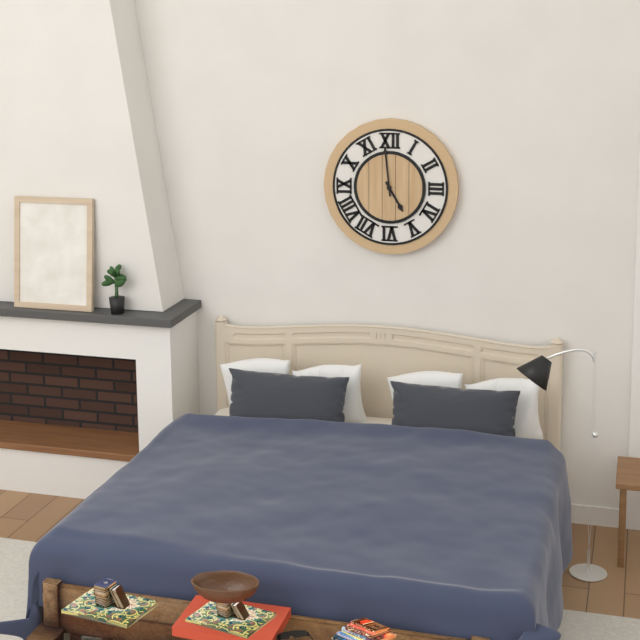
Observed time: 4:59
